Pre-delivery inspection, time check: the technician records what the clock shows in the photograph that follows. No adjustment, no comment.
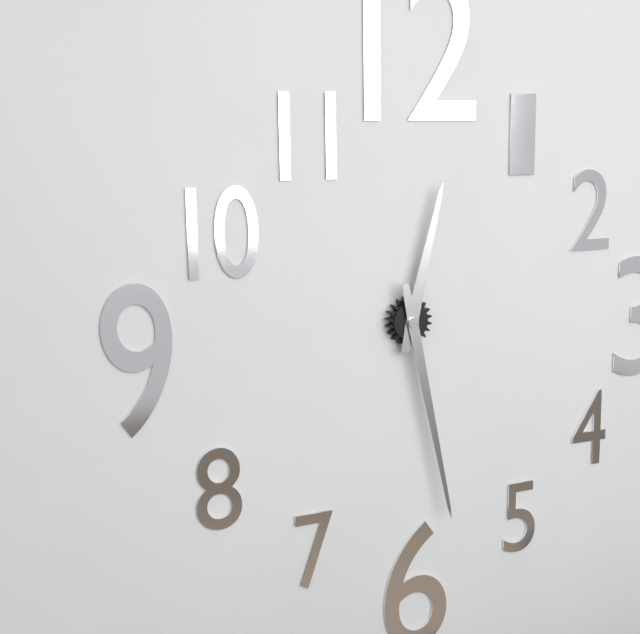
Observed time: 12:28
